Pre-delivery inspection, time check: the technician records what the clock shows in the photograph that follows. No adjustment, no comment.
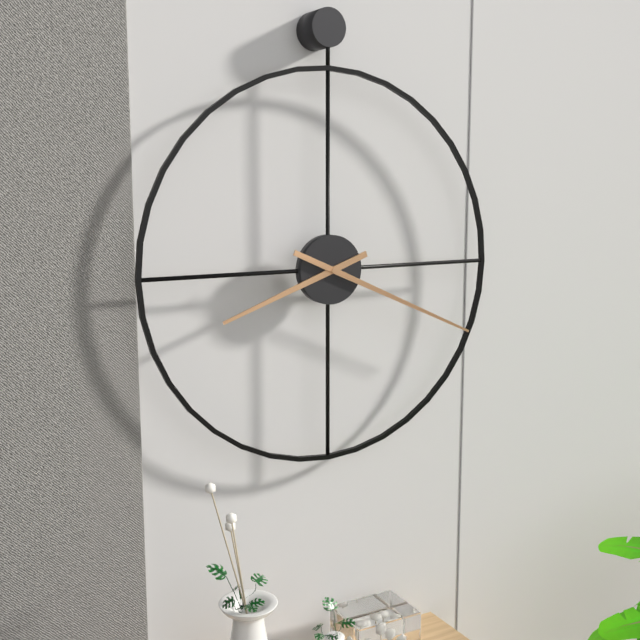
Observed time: 8:19
